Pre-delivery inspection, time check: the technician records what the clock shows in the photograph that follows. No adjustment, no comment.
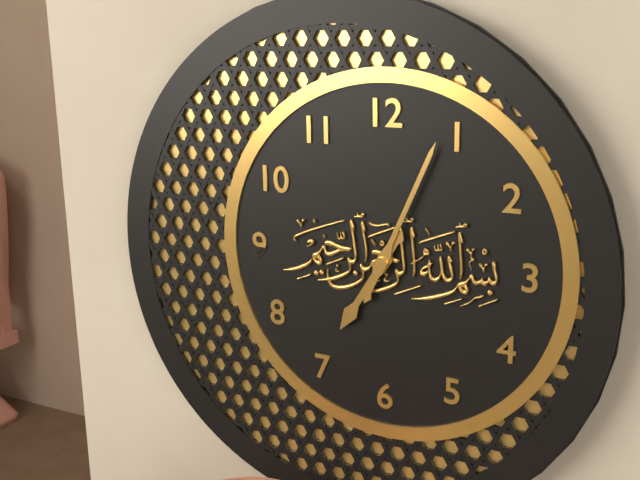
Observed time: 7:04
